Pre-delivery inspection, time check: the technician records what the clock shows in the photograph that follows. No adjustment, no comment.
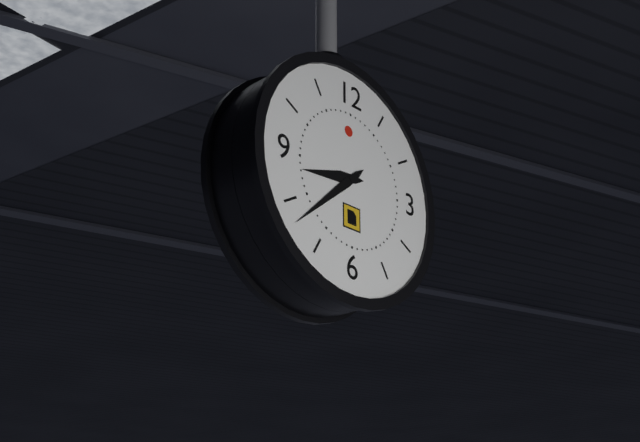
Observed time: 8:38
